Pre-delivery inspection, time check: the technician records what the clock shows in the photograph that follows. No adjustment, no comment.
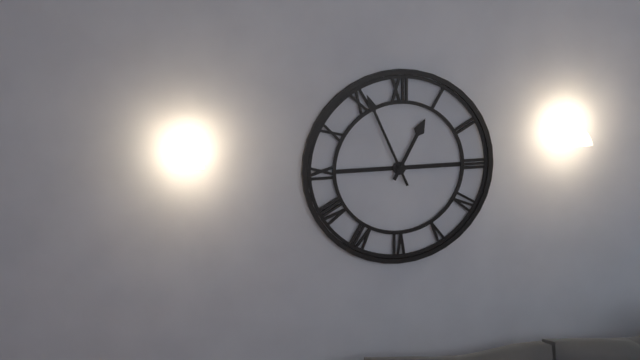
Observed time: 12:56
